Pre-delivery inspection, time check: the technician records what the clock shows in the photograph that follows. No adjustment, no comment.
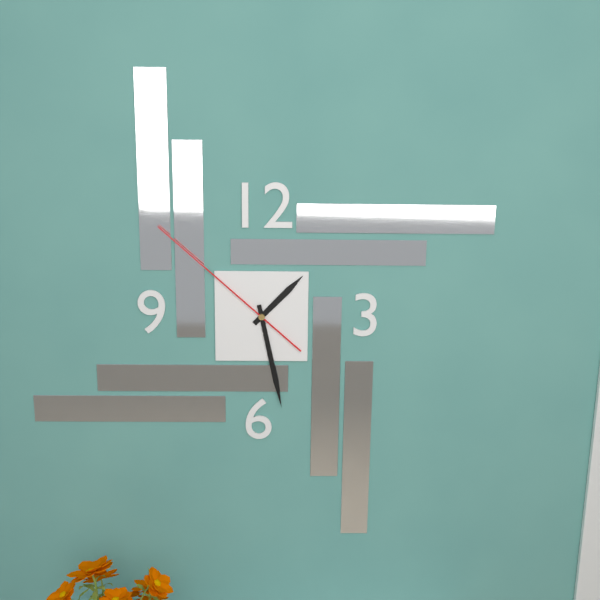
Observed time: 1:28:52
